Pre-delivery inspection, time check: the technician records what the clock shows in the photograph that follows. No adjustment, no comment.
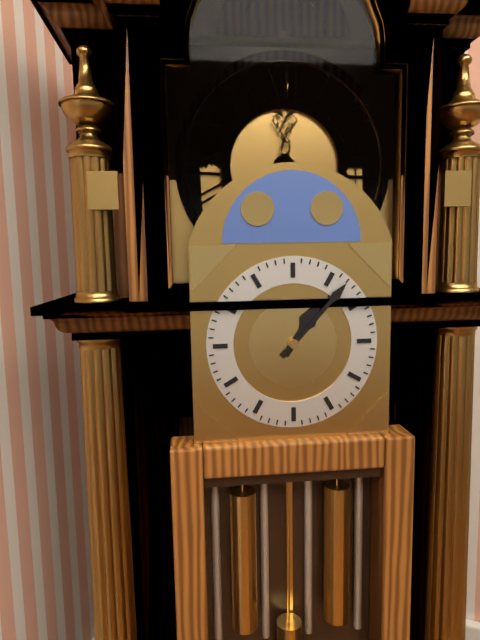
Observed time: 1:07
